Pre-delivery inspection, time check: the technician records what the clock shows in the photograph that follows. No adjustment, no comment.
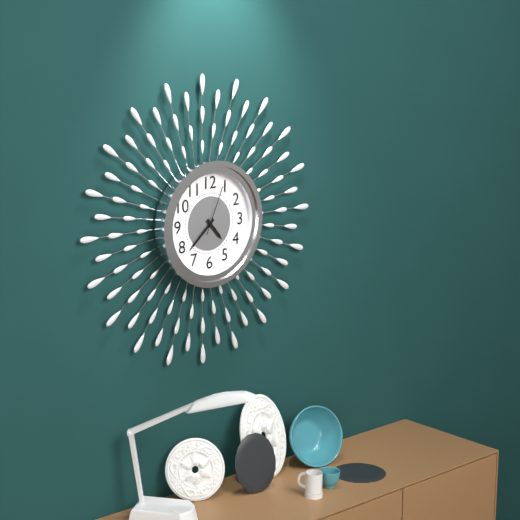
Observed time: 4:38
